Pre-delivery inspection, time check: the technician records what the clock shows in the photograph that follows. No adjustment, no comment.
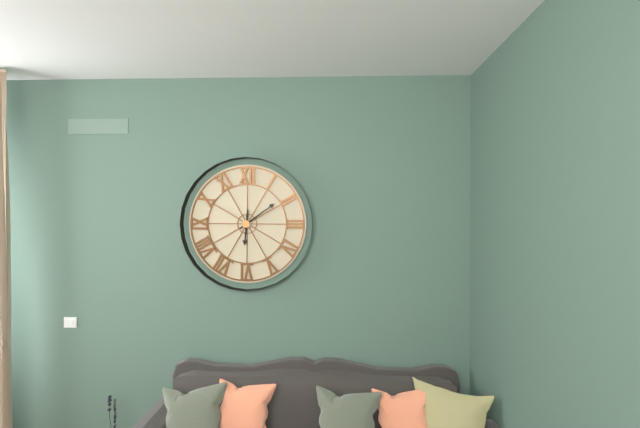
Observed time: 6:09
